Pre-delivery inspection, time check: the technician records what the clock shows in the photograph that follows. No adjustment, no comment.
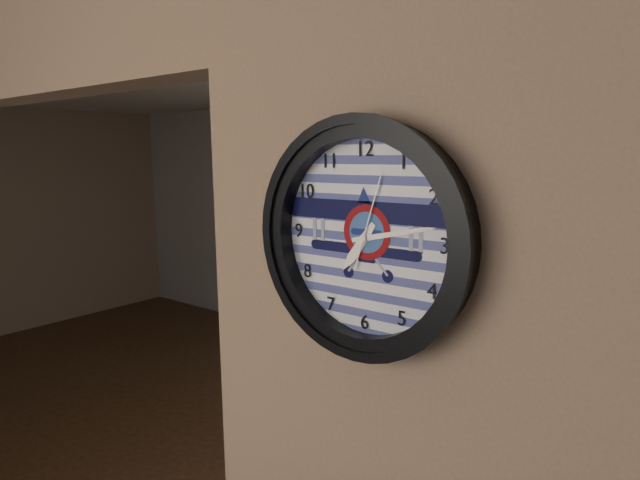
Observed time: 7:13:03
